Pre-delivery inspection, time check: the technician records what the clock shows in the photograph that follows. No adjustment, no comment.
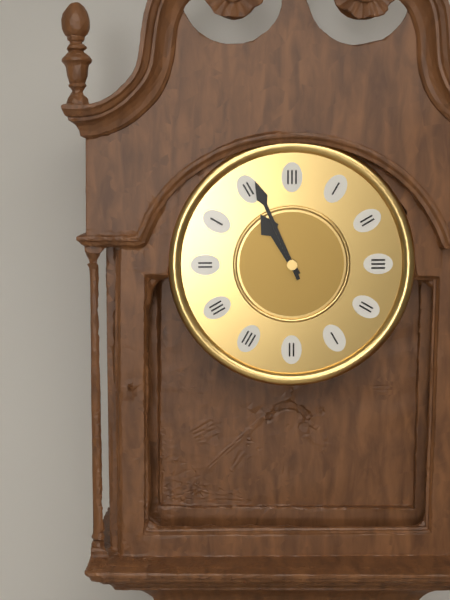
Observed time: 10:56
